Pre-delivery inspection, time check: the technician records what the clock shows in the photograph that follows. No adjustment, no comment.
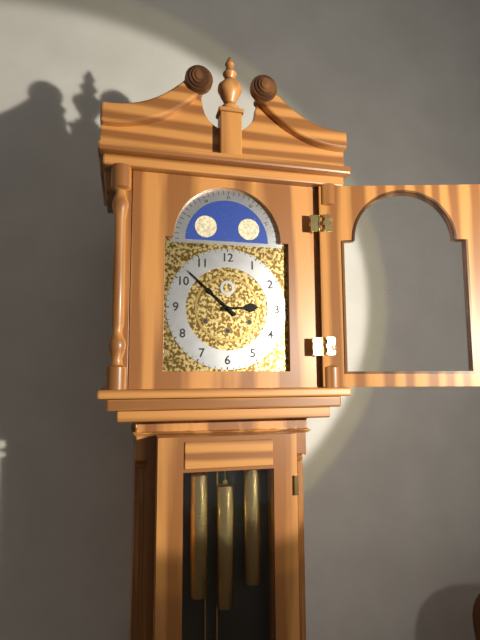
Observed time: 2:52
